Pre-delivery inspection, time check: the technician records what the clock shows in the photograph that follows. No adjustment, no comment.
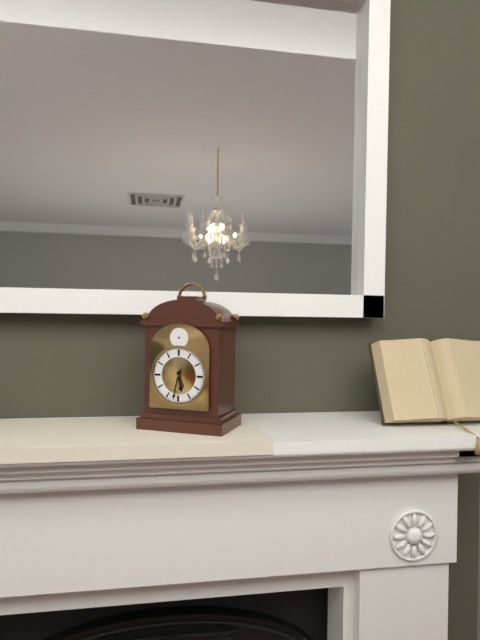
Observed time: 5:32
